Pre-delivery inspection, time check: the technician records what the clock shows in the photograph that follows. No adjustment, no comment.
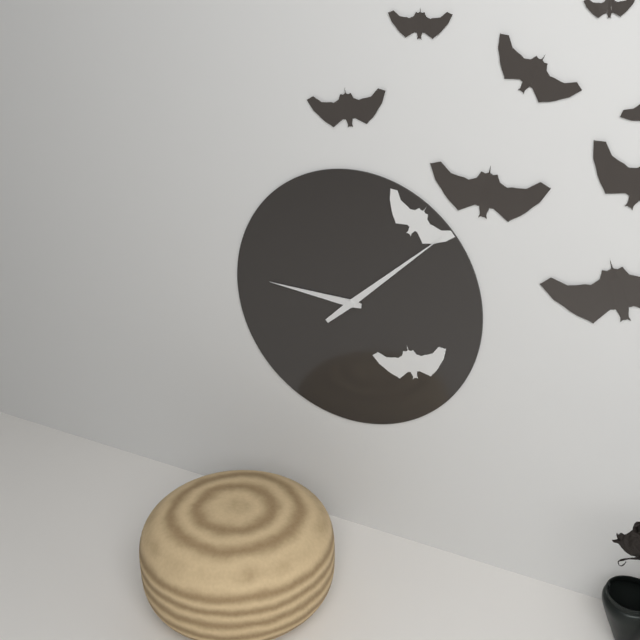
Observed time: 9:08
